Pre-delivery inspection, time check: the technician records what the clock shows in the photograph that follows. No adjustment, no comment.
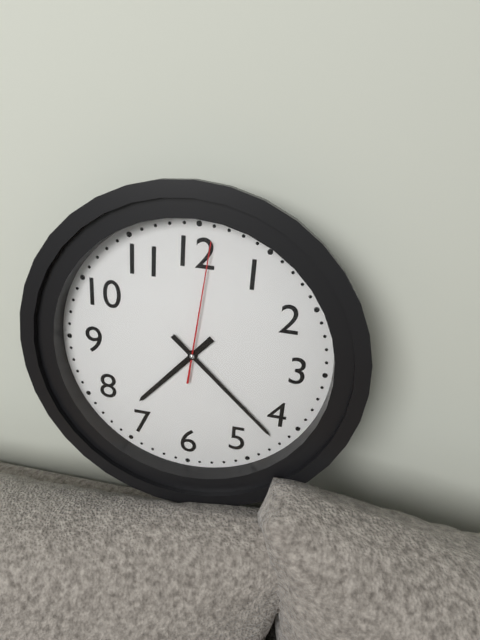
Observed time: 7:22:01
